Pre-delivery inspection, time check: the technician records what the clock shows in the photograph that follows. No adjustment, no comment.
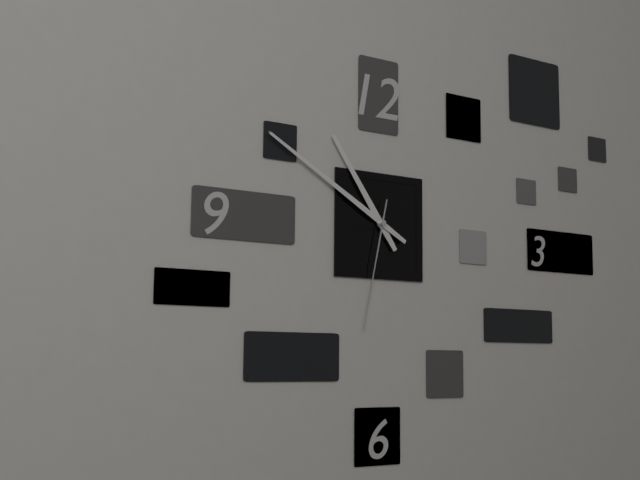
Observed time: 10:50:32
